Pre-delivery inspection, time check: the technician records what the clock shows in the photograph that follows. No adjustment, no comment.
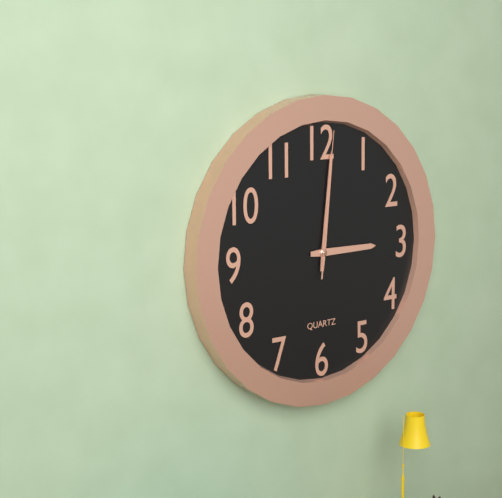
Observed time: 3:01:01
